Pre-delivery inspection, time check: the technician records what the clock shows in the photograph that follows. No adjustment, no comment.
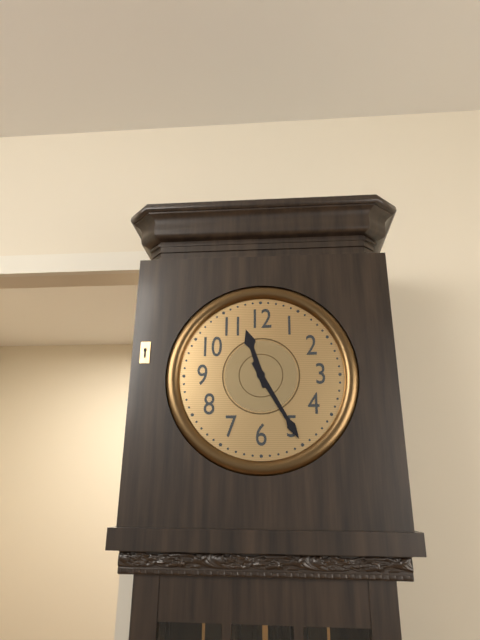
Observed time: 11:25
